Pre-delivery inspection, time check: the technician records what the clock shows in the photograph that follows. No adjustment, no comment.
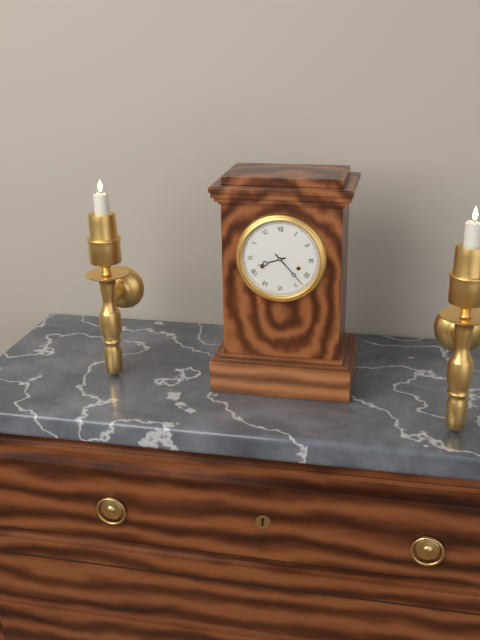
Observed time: 8:23
